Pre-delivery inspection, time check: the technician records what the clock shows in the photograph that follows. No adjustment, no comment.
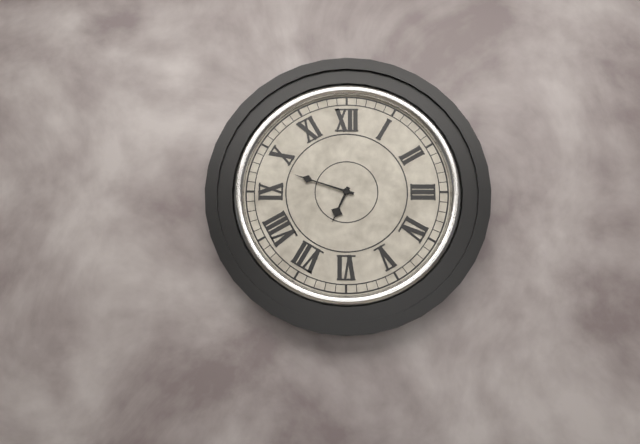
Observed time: 6:48
